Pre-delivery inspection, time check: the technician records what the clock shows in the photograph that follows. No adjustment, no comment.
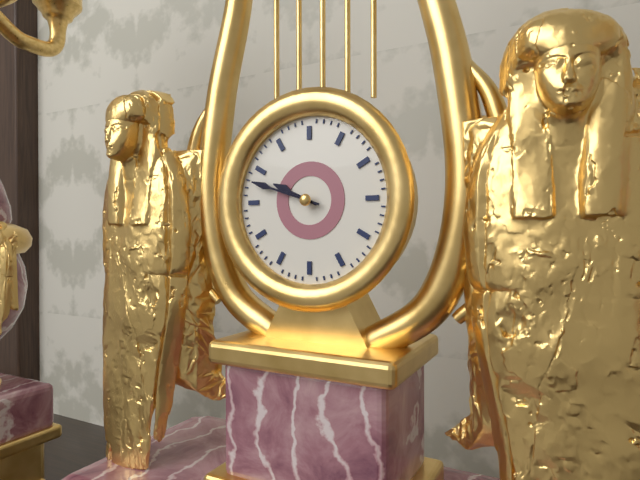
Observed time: 9:48
